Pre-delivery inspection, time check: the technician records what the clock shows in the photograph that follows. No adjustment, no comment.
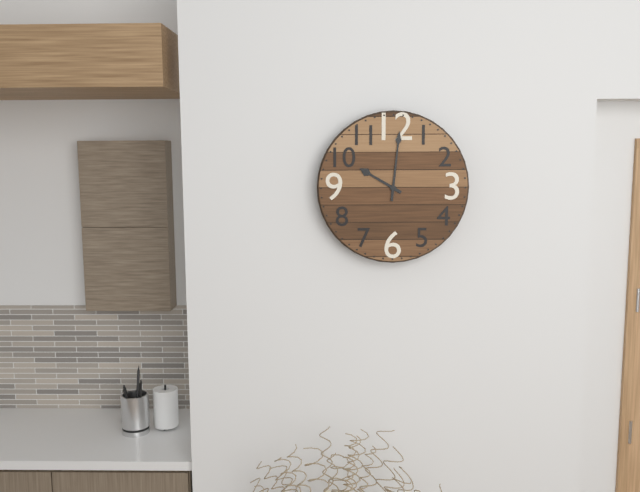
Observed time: 10:01
